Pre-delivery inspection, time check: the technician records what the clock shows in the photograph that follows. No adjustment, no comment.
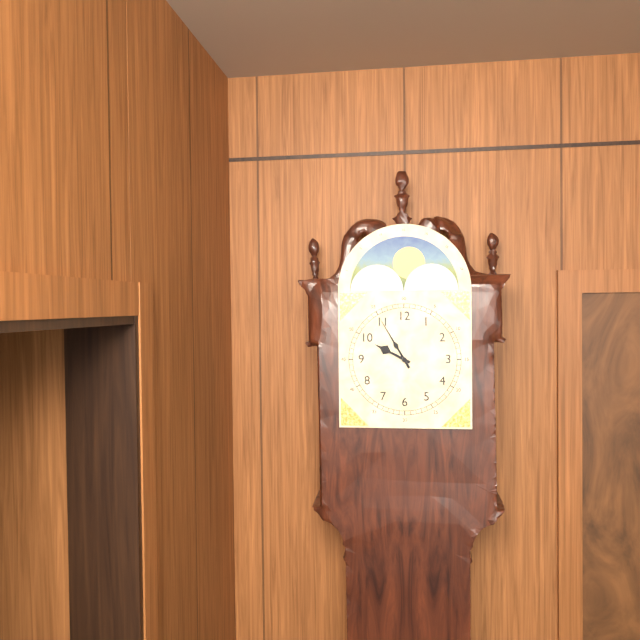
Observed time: 9:55
